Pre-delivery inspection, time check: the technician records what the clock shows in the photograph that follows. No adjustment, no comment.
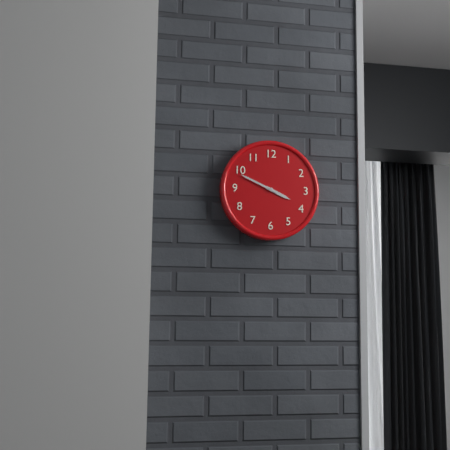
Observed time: 3:49
